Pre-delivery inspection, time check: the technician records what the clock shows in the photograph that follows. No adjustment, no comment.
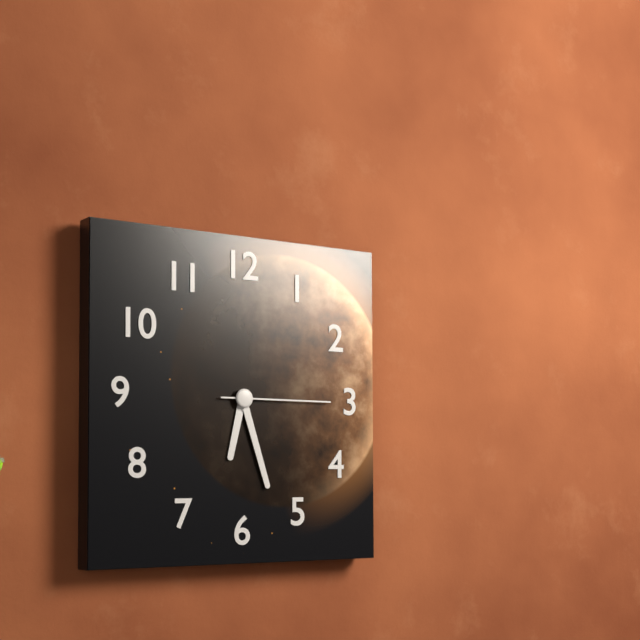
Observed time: 6:27:15
